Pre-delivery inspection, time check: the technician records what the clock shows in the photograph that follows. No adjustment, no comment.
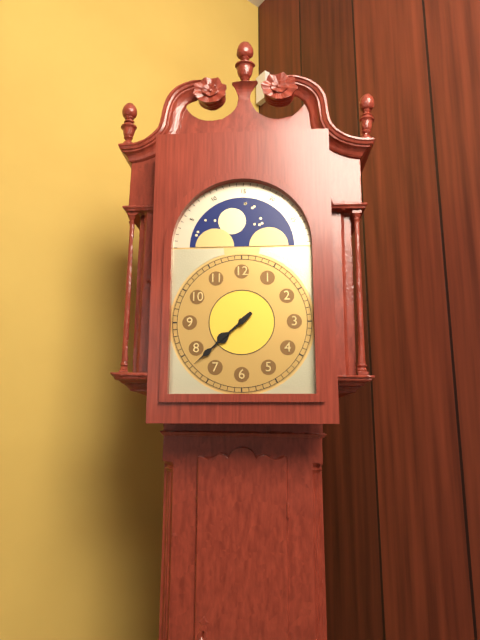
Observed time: 7:38
